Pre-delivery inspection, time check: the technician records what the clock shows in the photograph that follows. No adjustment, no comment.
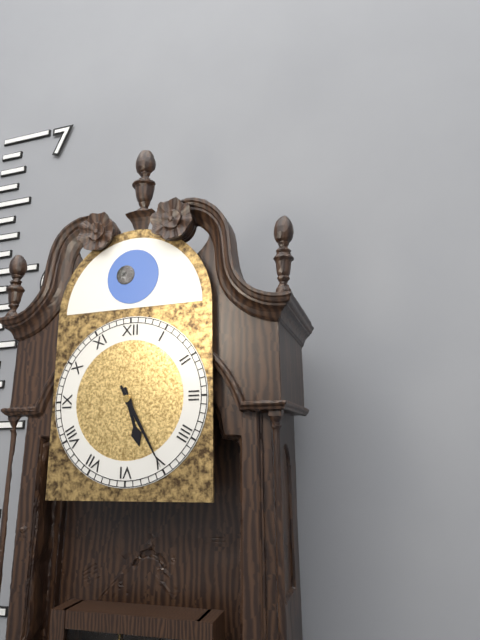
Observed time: 5:25
